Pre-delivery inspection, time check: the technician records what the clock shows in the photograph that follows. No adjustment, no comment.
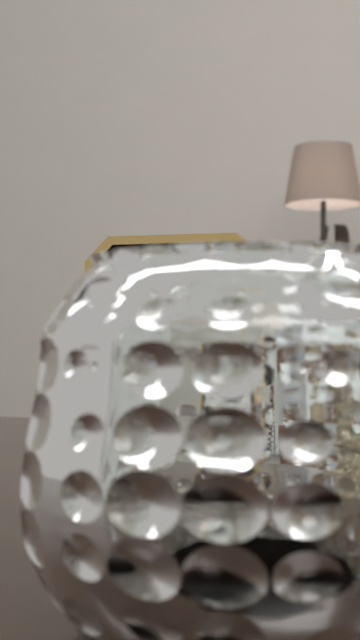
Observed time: 1:05
